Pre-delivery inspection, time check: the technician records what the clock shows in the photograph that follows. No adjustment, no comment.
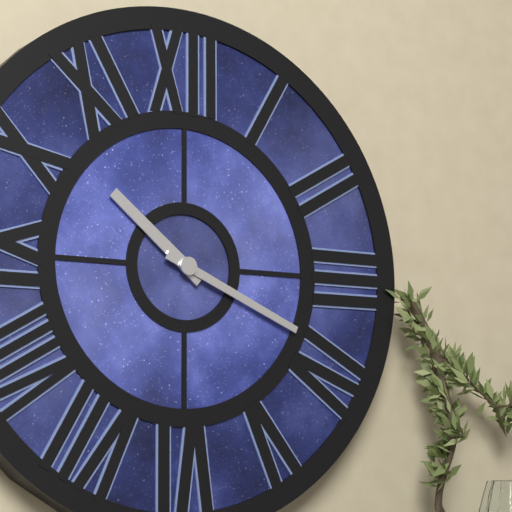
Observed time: 10:19
